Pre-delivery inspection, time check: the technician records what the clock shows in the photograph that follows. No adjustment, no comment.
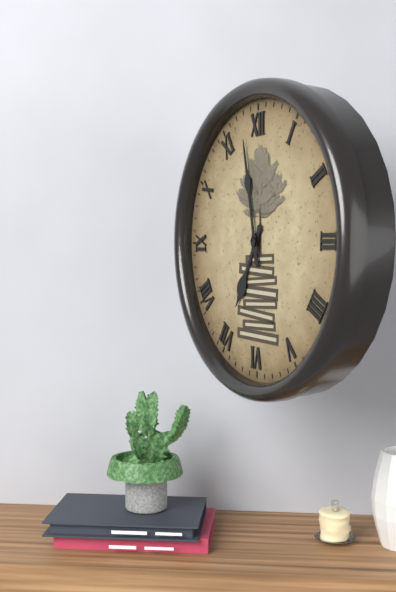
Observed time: 6:58
